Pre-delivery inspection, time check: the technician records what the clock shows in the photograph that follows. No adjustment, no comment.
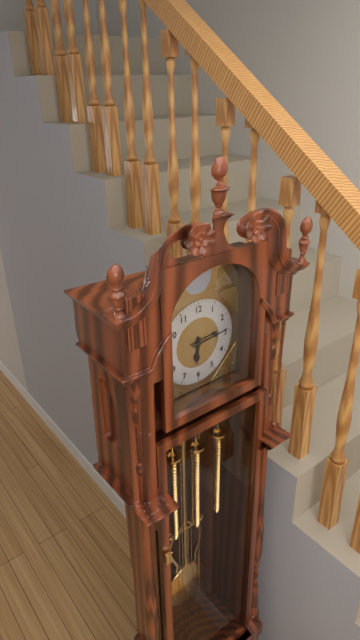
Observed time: 6:14
